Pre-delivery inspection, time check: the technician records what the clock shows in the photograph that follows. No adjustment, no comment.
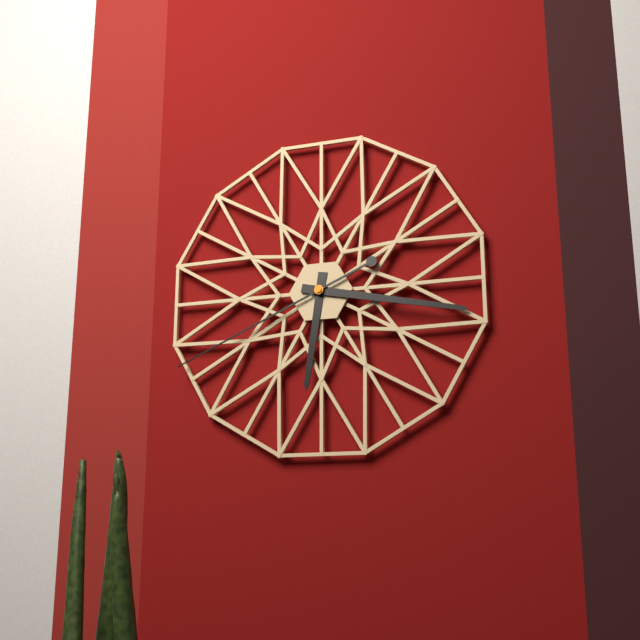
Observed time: 6:17:41
